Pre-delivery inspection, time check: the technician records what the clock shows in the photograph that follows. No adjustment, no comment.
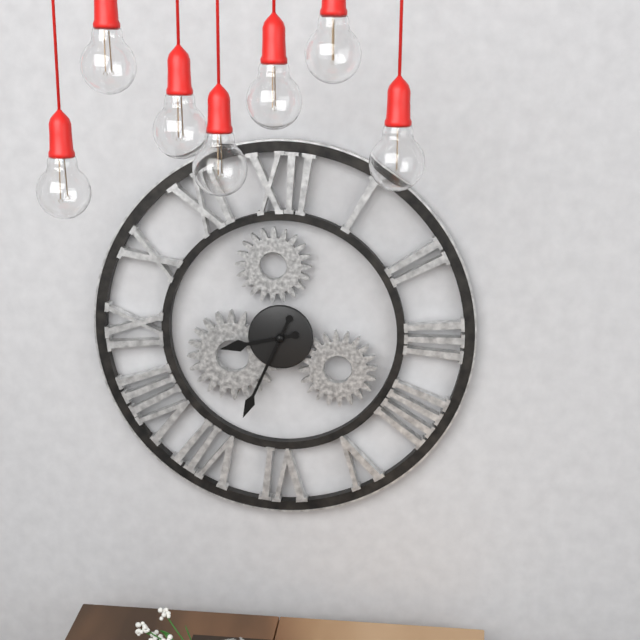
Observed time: 8:34
